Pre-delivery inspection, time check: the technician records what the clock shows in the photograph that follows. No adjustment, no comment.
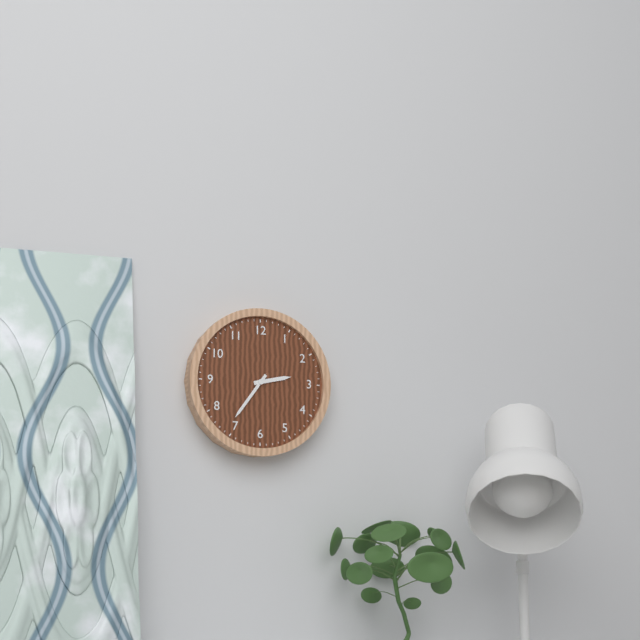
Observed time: 2:36
